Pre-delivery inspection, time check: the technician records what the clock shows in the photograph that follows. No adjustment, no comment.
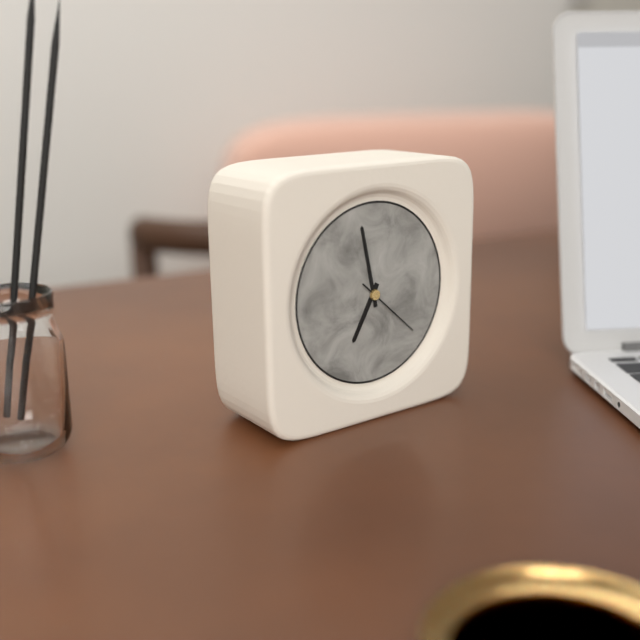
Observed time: 6:58:22
